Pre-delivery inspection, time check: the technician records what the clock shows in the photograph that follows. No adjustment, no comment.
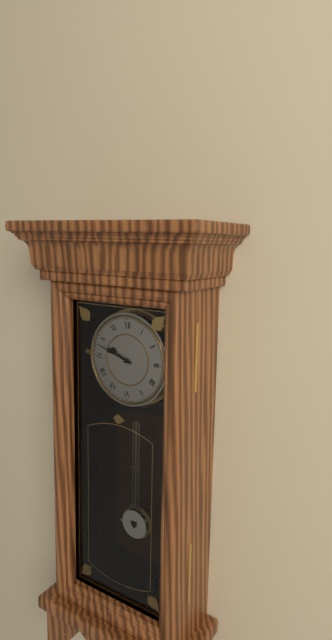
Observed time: 9:48
